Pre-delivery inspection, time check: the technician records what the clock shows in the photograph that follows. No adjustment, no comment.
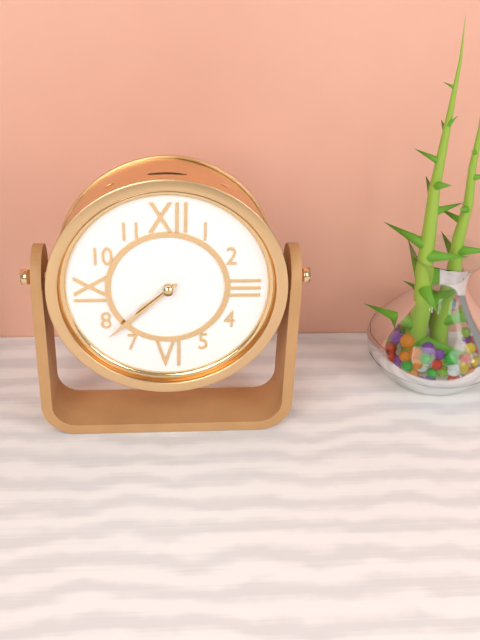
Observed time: 7:38
